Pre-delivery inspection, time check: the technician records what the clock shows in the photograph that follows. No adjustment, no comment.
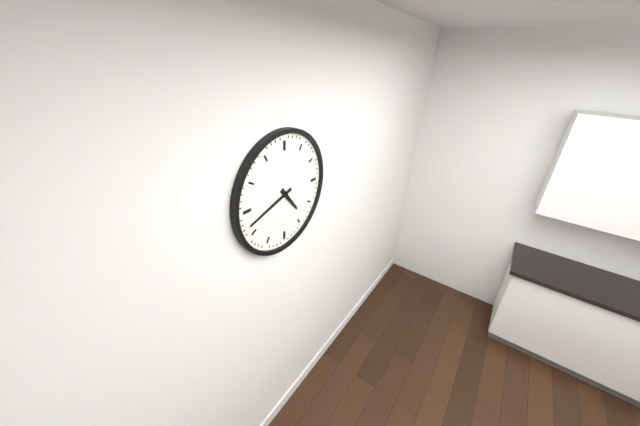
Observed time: 4:42
